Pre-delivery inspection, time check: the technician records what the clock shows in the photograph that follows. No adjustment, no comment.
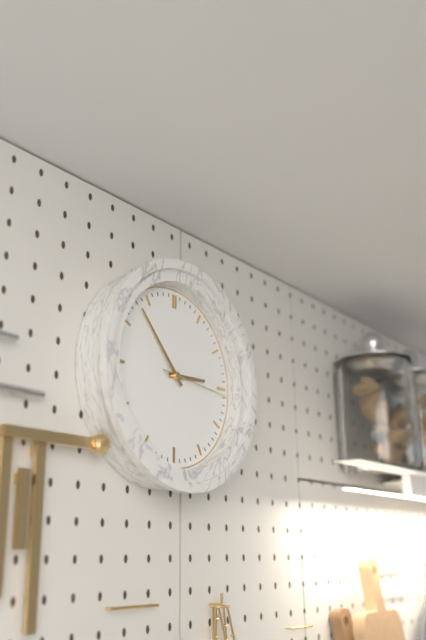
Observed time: 2:53:16
